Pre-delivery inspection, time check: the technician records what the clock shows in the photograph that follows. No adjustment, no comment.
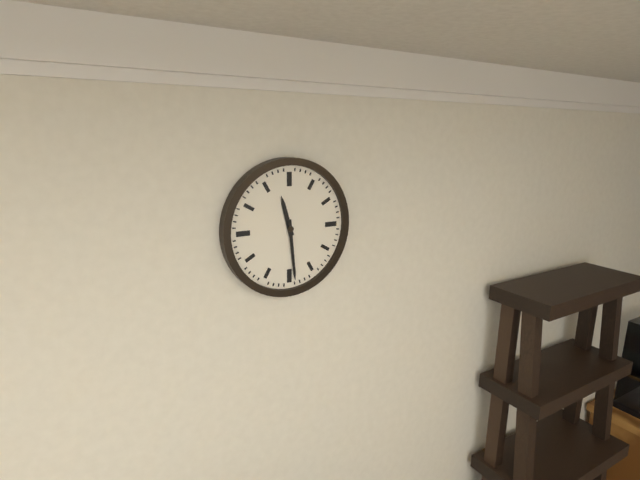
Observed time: 11:29
